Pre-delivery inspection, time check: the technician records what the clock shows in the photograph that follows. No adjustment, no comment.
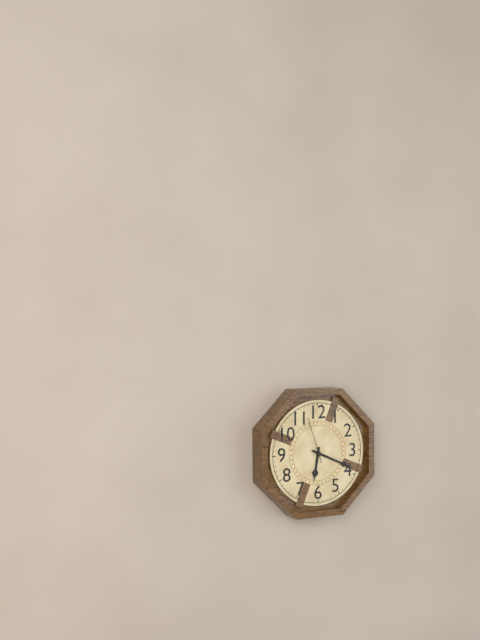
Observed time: 6:19
